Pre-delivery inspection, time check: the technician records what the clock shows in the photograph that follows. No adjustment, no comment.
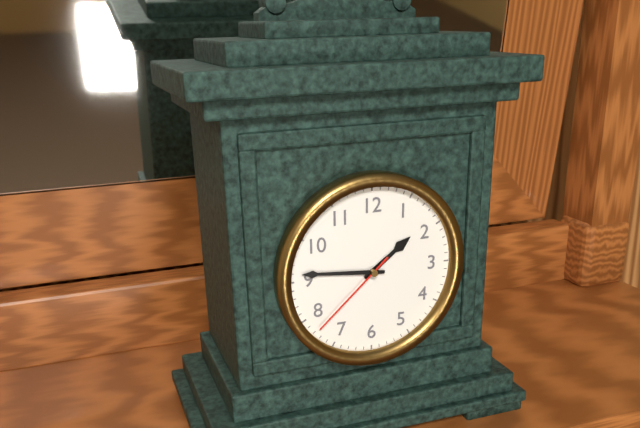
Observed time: 1:46:38
